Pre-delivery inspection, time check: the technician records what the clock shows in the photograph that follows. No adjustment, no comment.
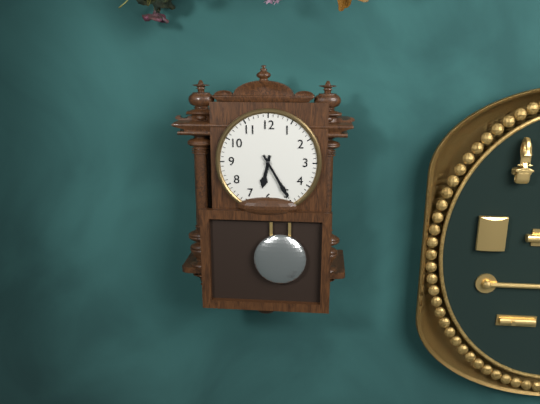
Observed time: 6:25
